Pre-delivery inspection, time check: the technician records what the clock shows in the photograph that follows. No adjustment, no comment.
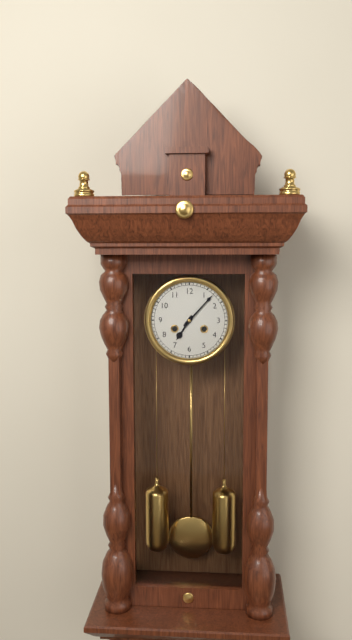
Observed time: 7:07
